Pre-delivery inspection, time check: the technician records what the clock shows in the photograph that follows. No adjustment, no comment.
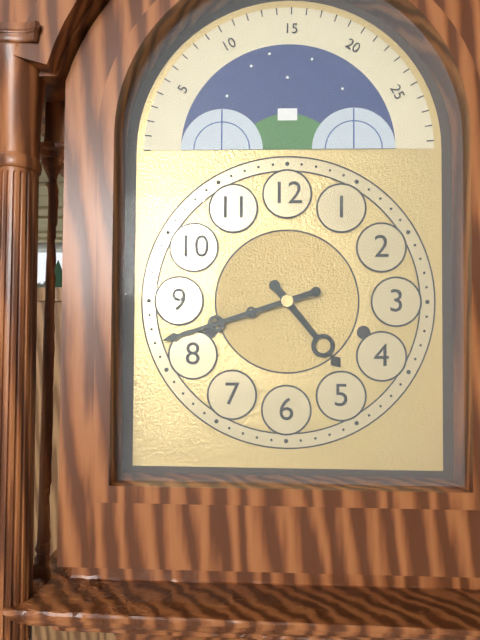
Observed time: 4:42
